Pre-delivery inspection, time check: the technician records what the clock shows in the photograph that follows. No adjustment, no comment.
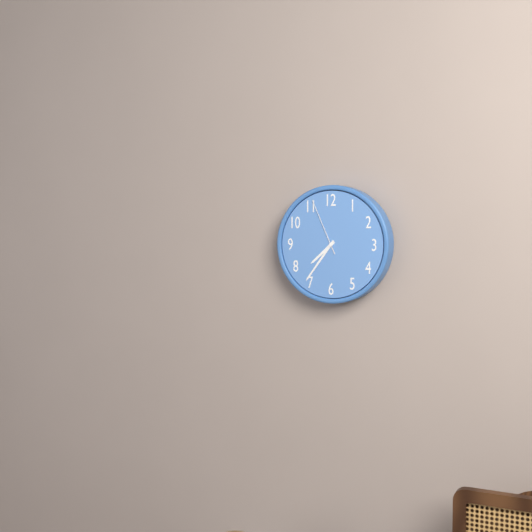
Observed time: 7:36:56
